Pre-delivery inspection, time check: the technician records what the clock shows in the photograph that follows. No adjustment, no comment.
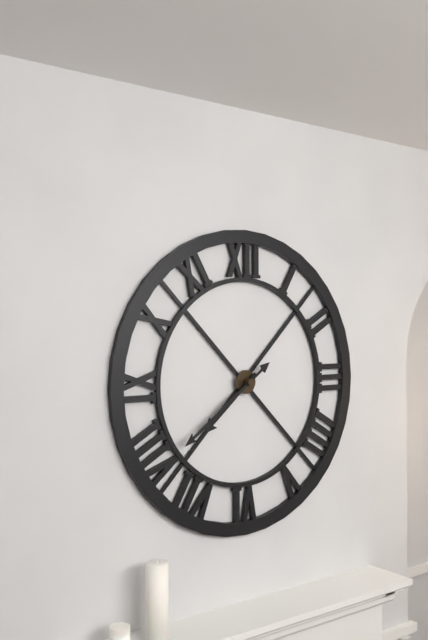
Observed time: 7:39
